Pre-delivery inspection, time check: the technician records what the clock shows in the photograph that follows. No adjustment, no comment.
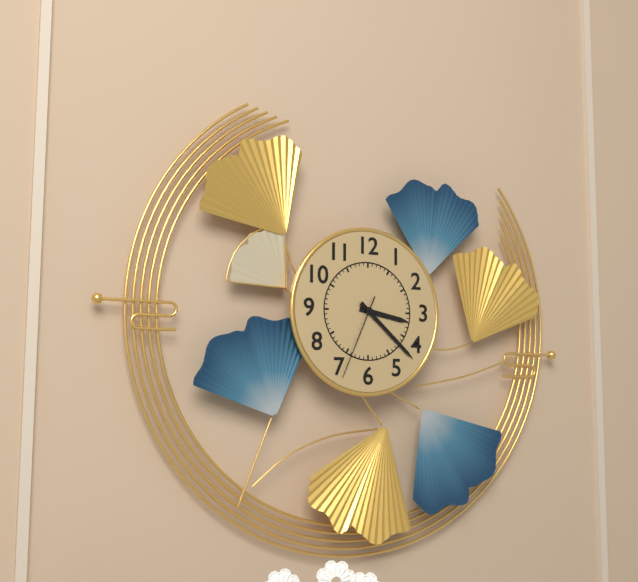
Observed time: 3:22:34
